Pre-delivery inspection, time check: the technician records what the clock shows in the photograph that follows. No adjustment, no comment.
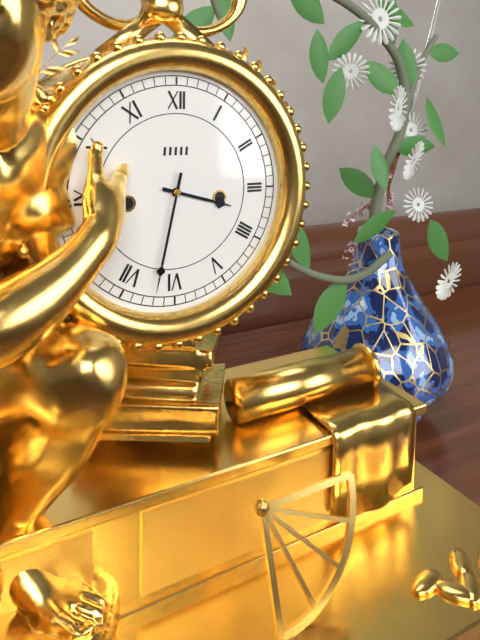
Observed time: 3:32
